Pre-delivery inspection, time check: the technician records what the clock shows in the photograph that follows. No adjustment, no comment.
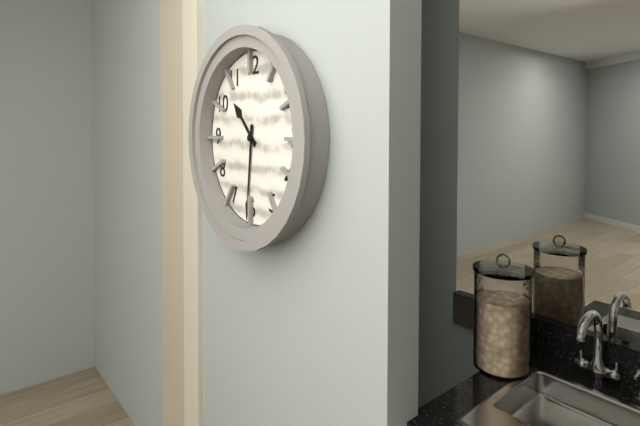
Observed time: 10:31
